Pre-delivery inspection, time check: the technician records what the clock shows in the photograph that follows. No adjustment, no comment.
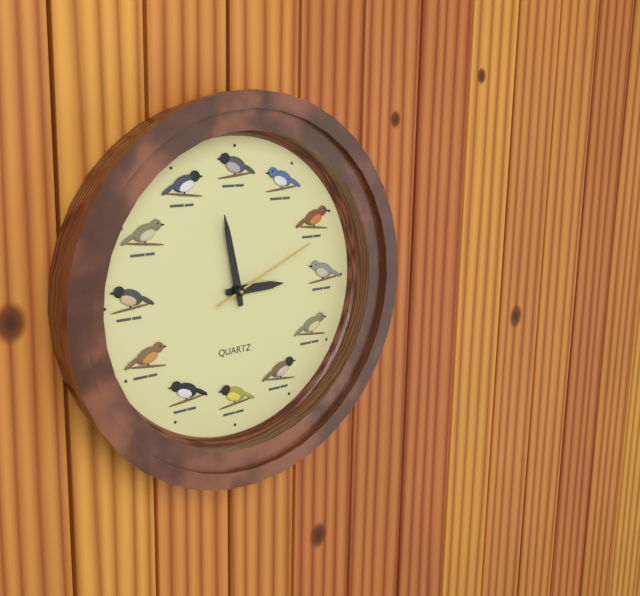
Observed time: 2:58:11
